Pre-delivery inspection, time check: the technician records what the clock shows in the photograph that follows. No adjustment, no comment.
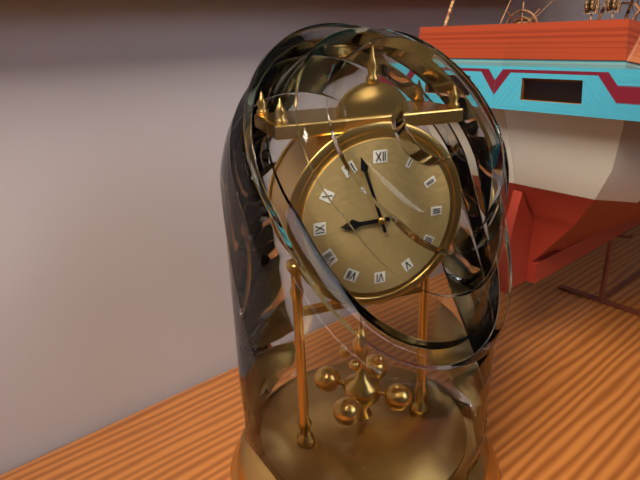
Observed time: 8:57
